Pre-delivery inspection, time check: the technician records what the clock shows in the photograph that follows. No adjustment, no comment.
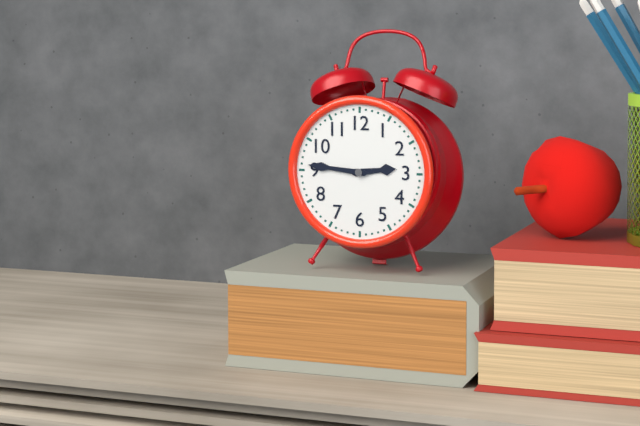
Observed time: 2:46
